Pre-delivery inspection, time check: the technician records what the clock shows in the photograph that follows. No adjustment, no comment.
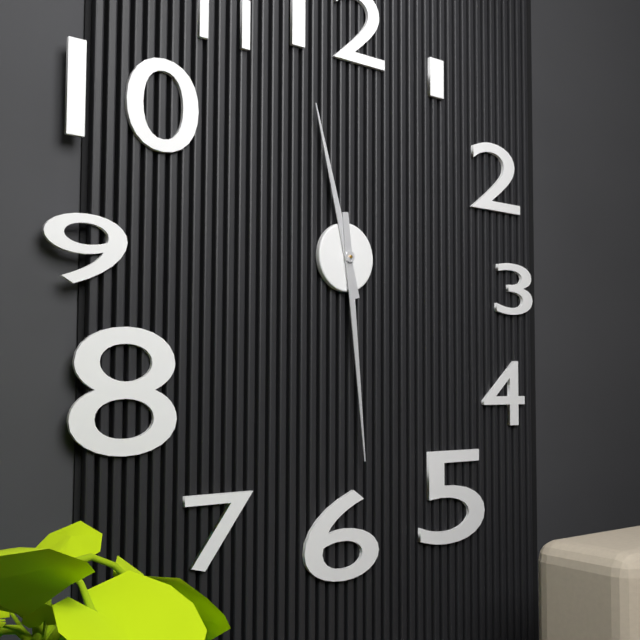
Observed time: 11:29
